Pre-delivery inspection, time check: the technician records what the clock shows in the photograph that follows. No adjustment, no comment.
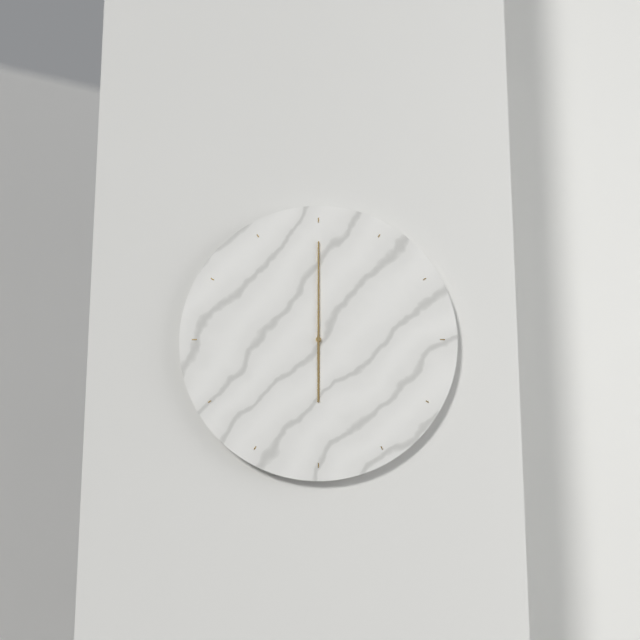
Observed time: 6:00
